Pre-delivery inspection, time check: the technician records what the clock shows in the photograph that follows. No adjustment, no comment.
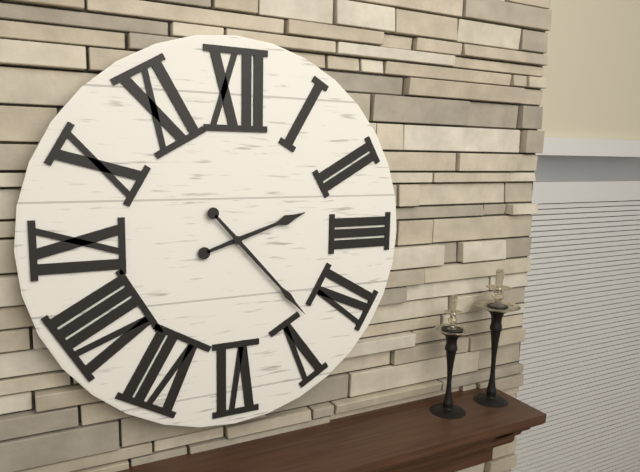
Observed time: 2:23
